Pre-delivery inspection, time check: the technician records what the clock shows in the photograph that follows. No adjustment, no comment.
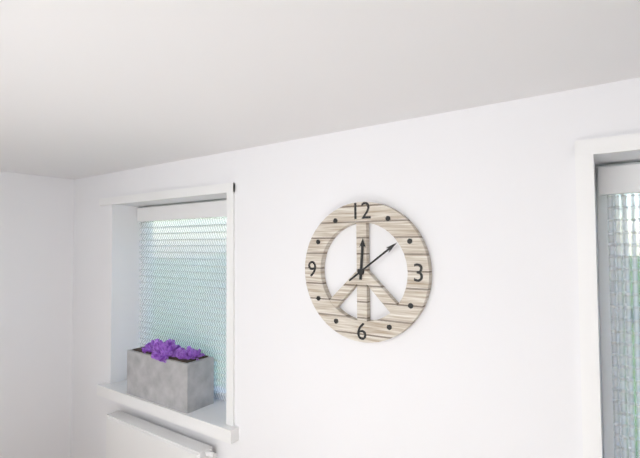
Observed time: 12:09
